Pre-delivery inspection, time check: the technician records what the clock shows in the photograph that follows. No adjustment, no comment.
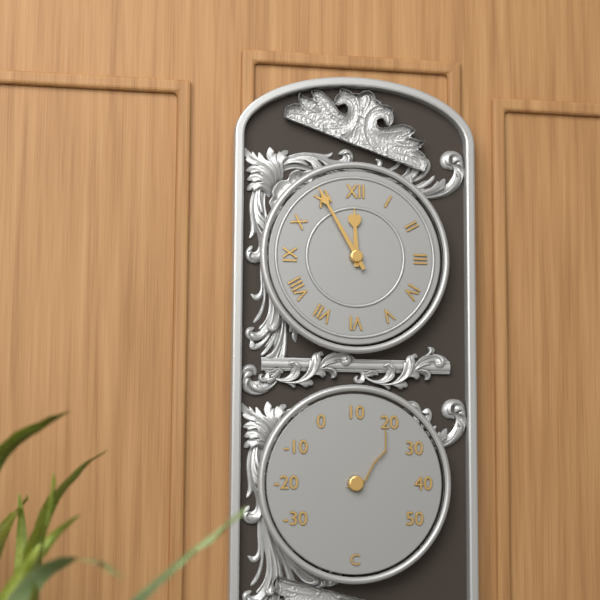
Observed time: 11:55
